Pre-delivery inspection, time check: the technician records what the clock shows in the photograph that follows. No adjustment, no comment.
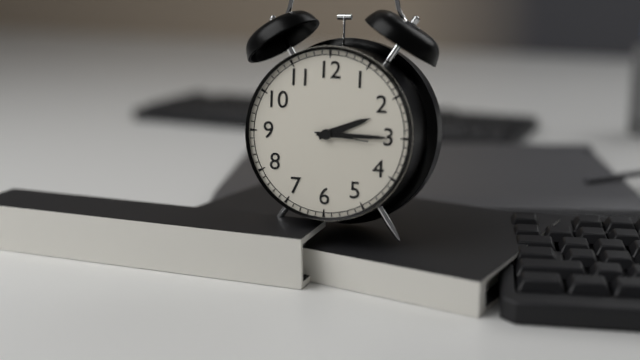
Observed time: 2:15
